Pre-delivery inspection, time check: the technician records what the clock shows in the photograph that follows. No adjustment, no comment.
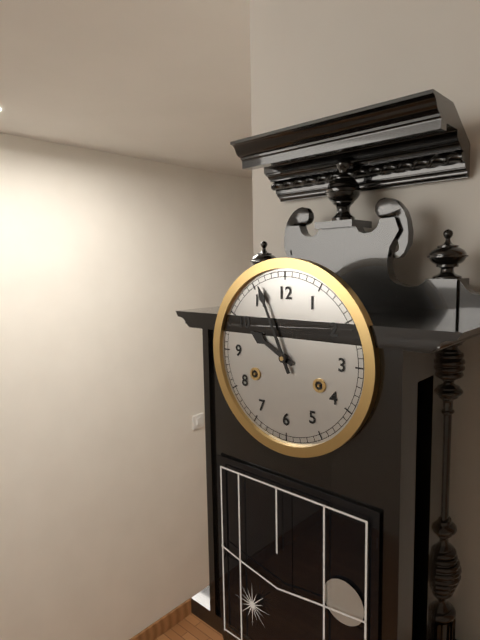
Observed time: 9:56
